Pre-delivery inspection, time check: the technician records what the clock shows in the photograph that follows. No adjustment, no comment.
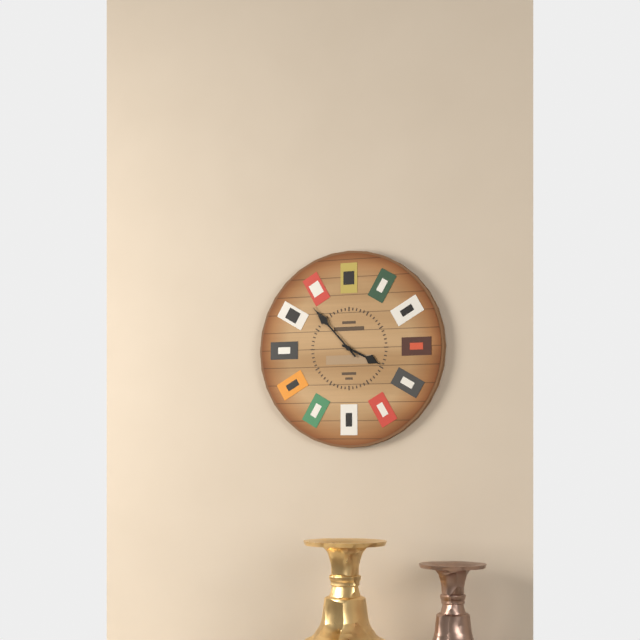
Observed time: 3:53
